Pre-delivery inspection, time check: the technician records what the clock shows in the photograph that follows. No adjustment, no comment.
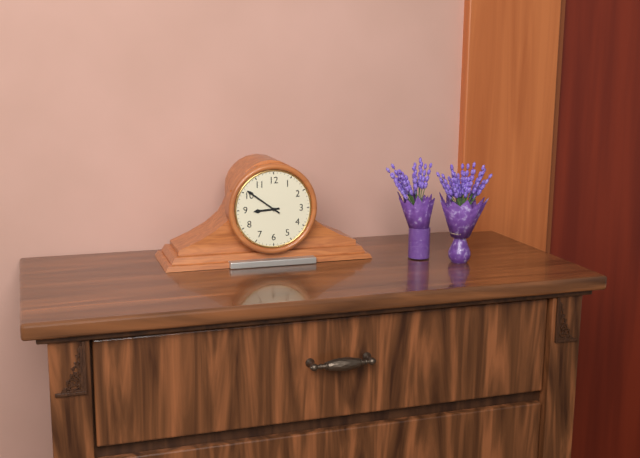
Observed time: 8:51
